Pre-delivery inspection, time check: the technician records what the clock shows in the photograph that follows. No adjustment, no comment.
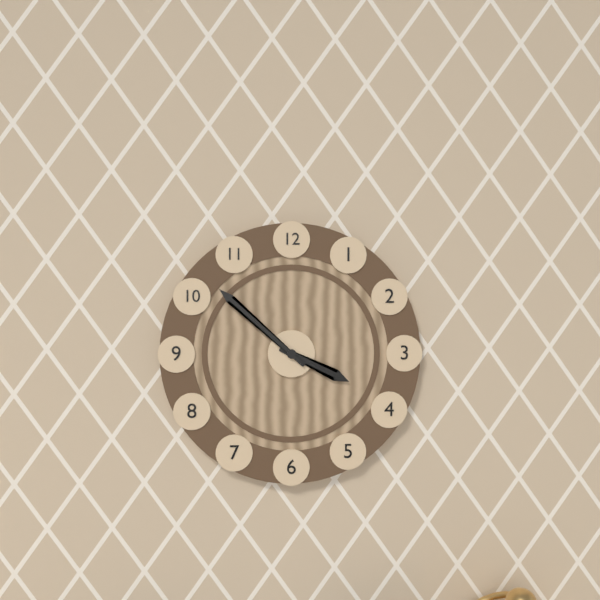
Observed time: 3:52
